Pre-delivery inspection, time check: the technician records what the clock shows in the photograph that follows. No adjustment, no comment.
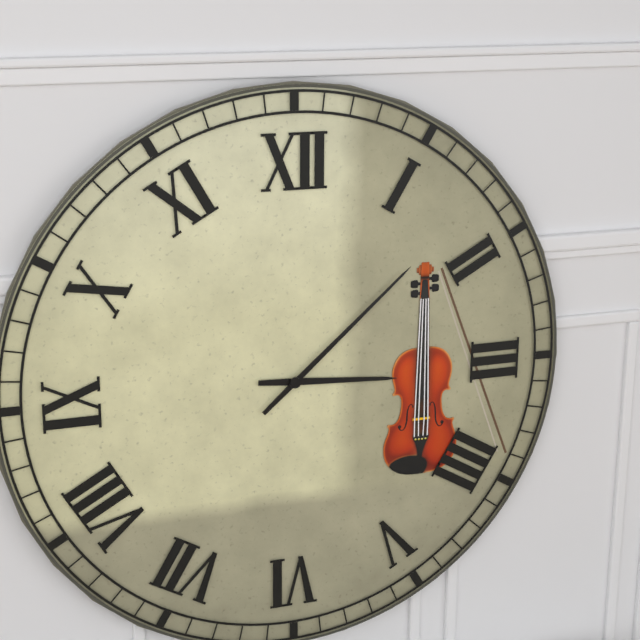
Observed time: 3:08
